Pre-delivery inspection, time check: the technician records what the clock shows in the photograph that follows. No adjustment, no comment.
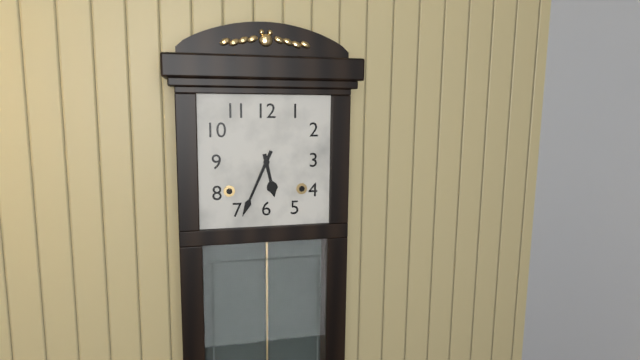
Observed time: 5:34
